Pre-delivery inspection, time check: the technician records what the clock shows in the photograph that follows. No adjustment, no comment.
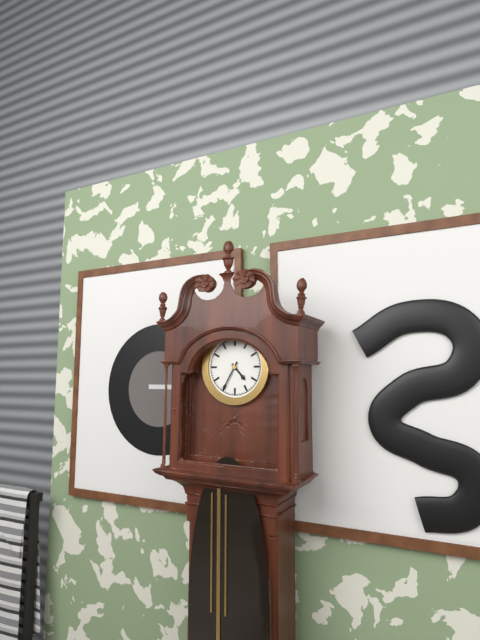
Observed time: 4:35
